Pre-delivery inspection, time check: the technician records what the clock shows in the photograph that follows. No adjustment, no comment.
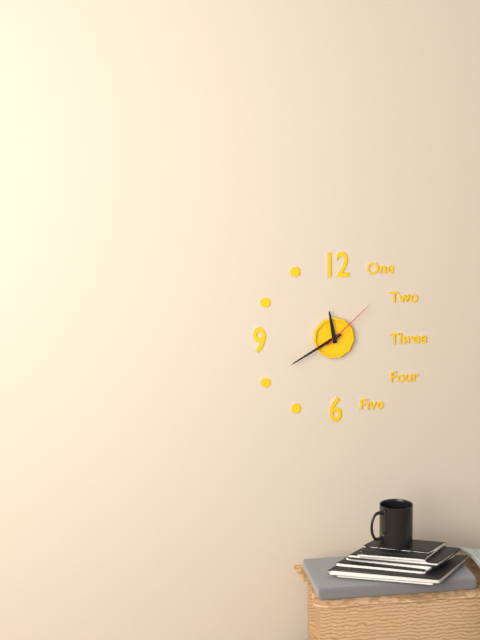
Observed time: 11:40:08
